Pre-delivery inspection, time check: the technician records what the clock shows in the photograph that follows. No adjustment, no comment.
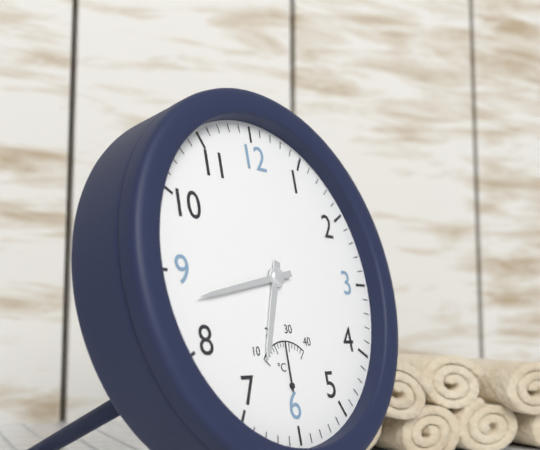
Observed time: 6:43
